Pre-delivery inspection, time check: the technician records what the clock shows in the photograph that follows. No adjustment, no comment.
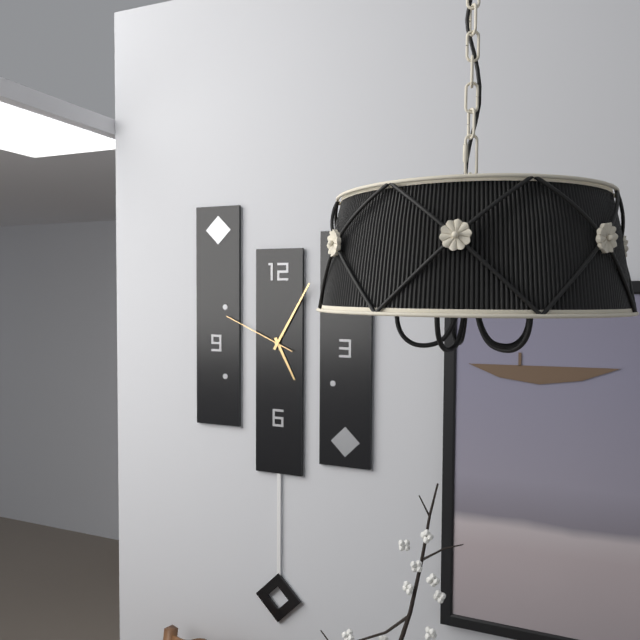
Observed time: 5:05:49
